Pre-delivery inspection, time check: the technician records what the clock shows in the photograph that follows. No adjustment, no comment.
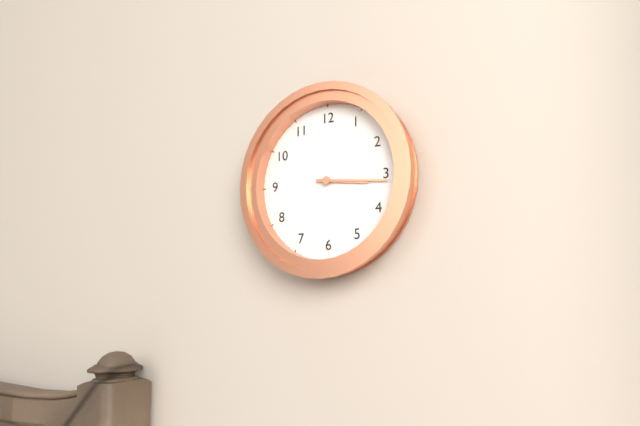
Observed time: 3:16
